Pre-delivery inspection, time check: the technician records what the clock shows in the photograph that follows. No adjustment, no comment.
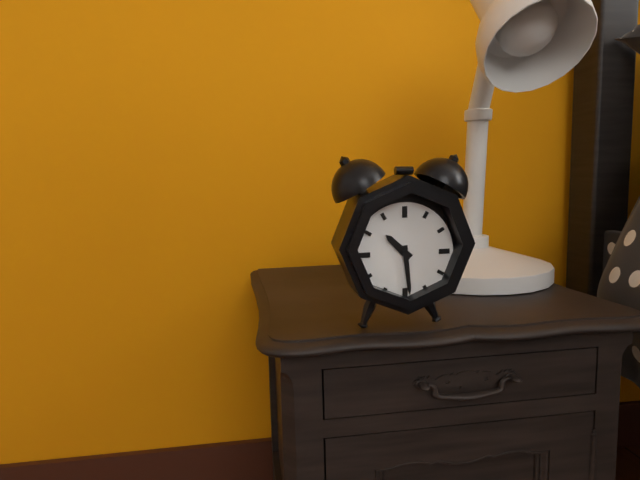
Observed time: 10:29
